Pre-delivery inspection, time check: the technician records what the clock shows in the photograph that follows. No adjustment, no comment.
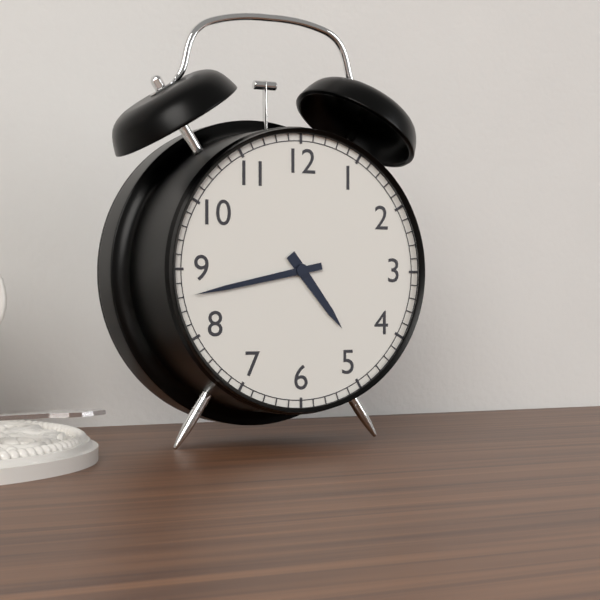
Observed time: 4:43
